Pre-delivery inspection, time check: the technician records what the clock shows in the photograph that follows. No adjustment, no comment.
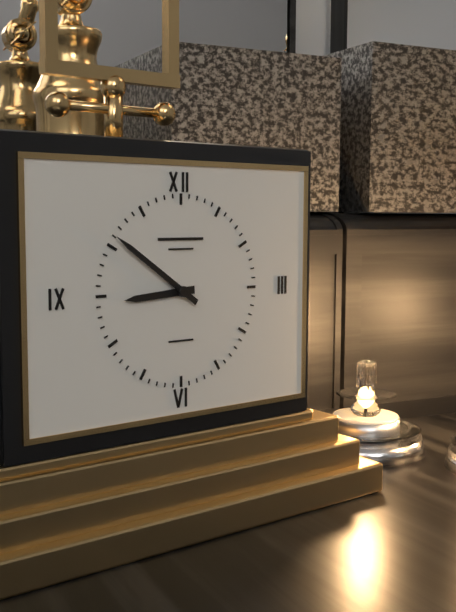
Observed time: 8:51
